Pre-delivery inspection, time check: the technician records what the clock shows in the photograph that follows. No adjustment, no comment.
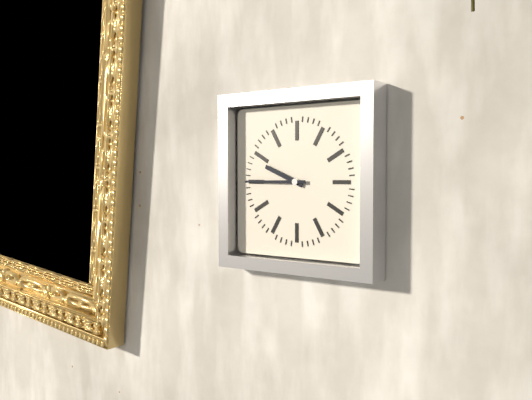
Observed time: 9:45
